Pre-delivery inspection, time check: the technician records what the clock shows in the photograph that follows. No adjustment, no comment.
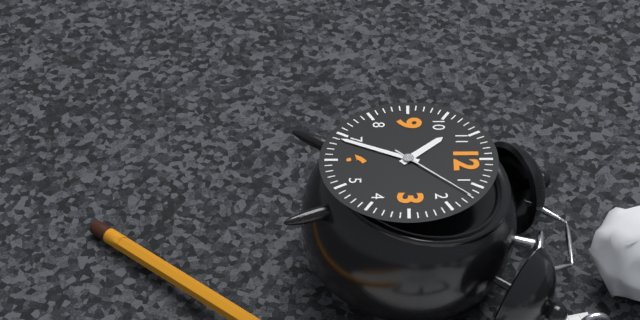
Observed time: 10:34:07
